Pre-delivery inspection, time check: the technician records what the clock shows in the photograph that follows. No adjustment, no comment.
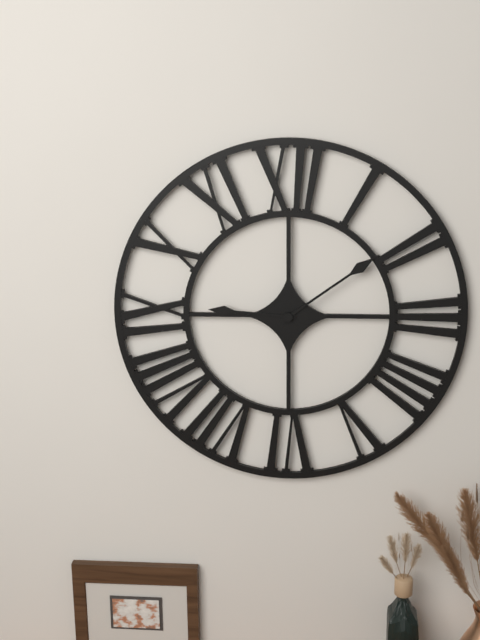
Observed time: 9:09
